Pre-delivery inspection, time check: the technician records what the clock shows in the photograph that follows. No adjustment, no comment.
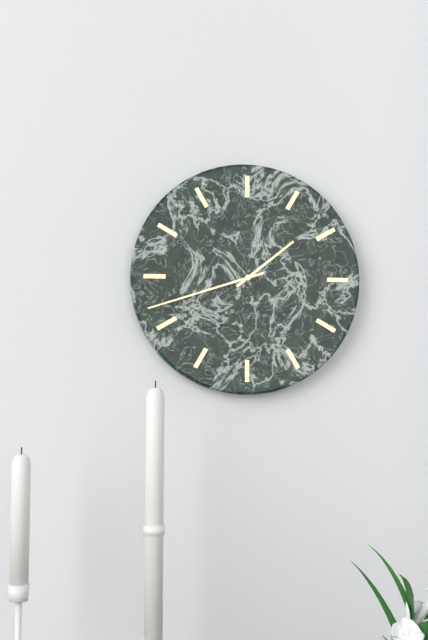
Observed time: 1:42
